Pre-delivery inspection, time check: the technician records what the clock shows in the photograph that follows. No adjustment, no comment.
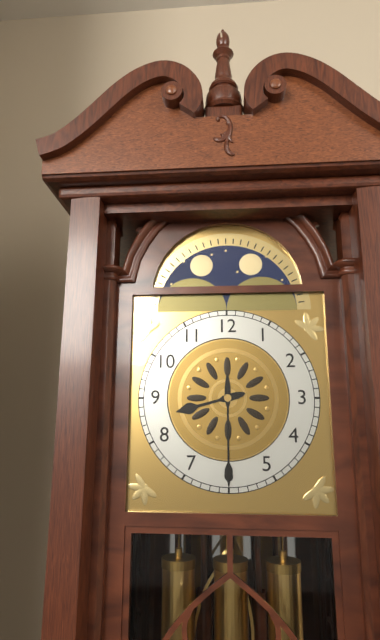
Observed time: 8:30
